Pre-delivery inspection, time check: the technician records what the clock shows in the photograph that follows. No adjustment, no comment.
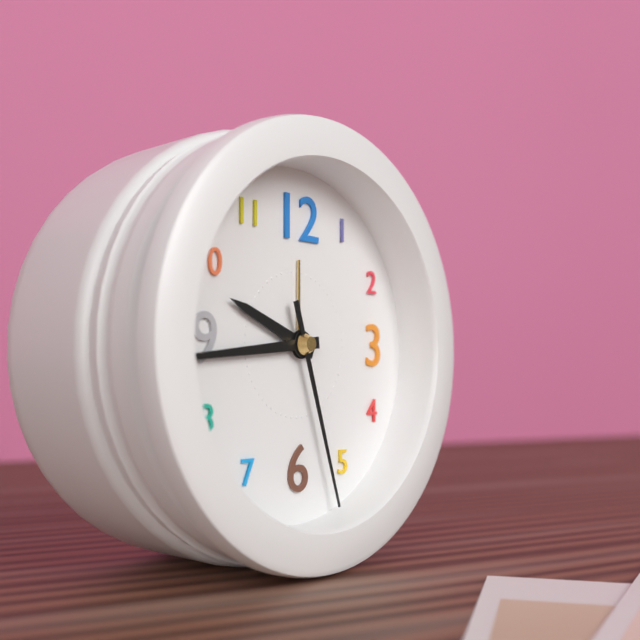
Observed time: 9:44:27
